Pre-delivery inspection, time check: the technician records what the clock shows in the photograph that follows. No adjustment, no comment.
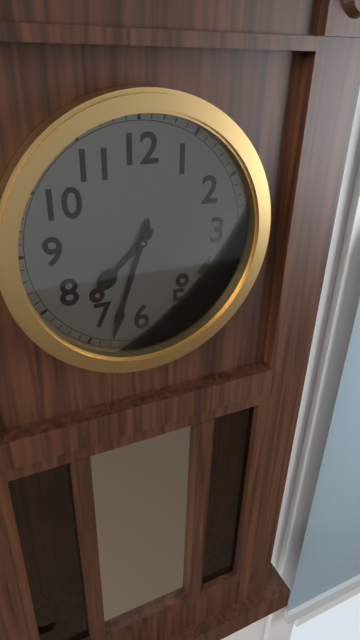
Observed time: 7:33
